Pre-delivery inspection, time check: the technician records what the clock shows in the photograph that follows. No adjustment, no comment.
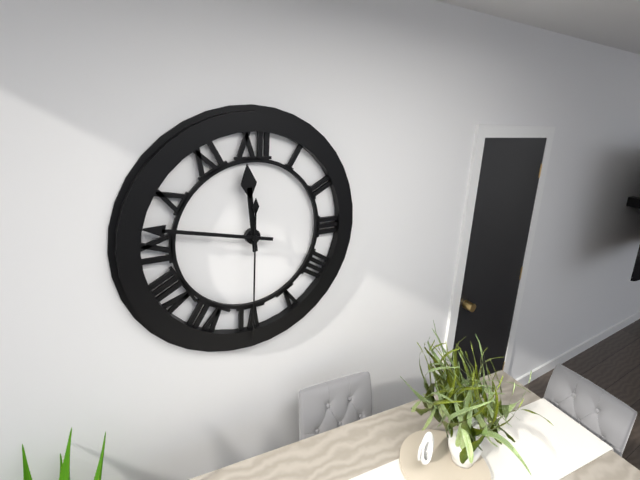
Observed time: 11:47:30
